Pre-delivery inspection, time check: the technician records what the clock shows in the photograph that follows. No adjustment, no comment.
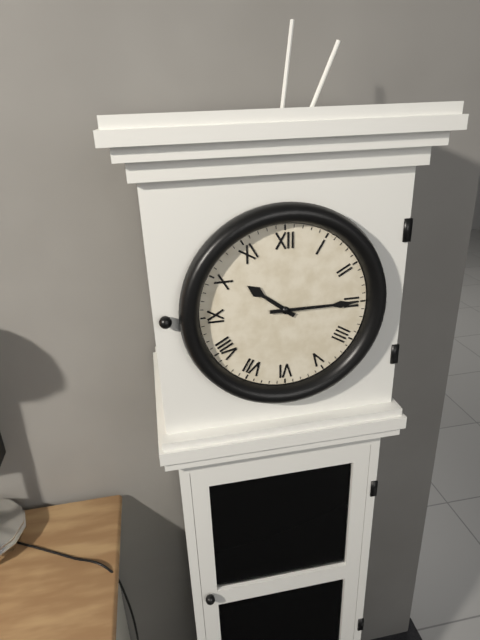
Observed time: 10:15
